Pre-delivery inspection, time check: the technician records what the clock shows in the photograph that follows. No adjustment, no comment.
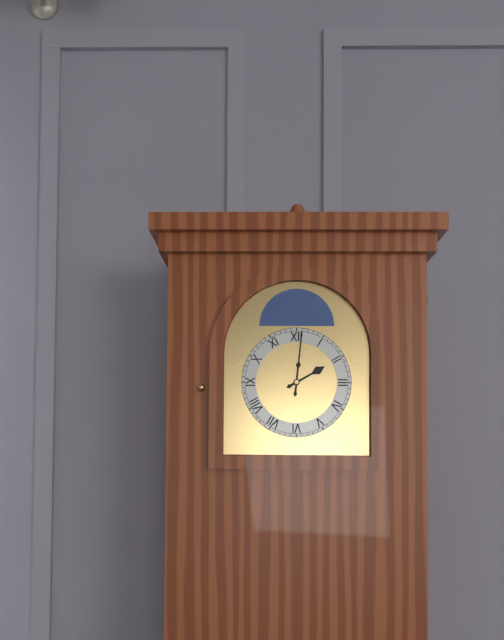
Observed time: 2:01
